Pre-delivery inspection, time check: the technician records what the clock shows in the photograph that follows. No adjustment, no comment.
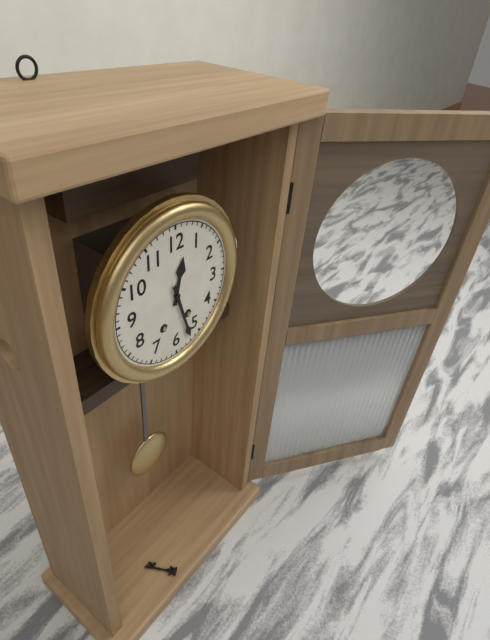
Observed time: 12:27
